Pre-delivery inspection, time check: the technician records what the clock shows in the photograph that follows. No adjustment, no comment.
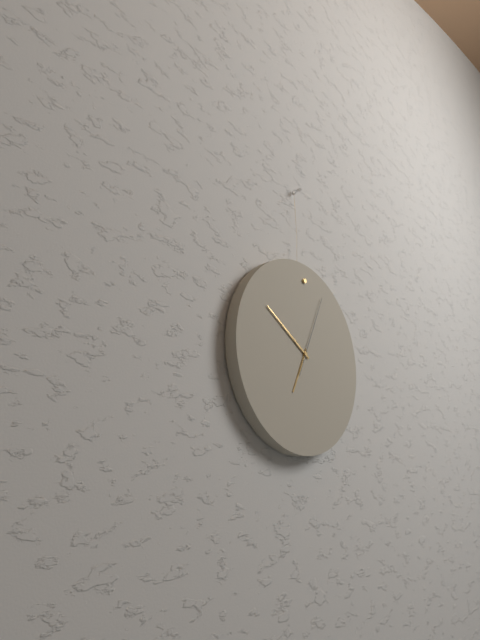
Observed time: 6:50:04
